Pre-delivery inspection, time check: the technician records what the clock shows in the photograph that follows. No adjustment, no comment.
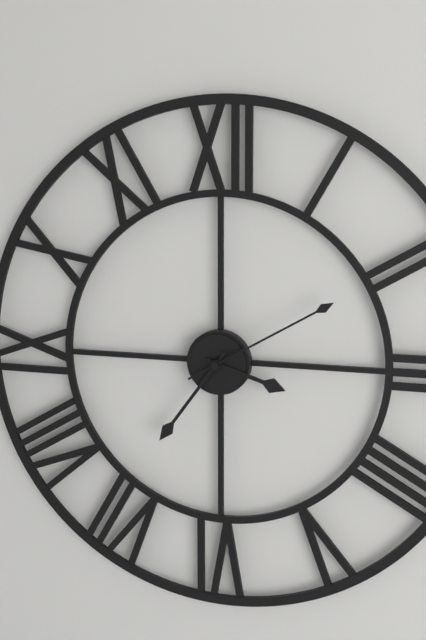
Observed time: 3:36:10
